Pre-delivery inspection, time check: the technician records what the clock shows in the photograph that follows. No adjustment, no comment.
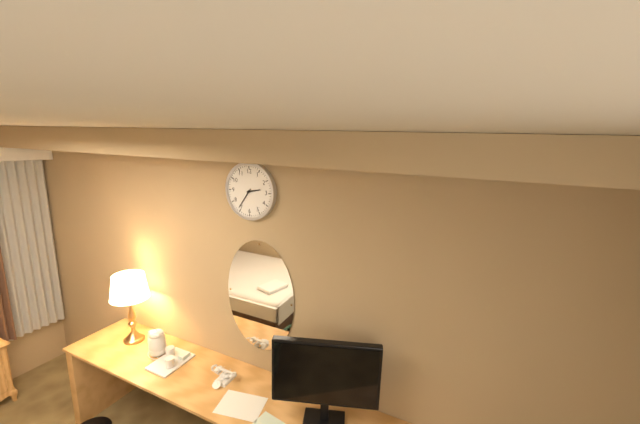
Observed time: 2:36
